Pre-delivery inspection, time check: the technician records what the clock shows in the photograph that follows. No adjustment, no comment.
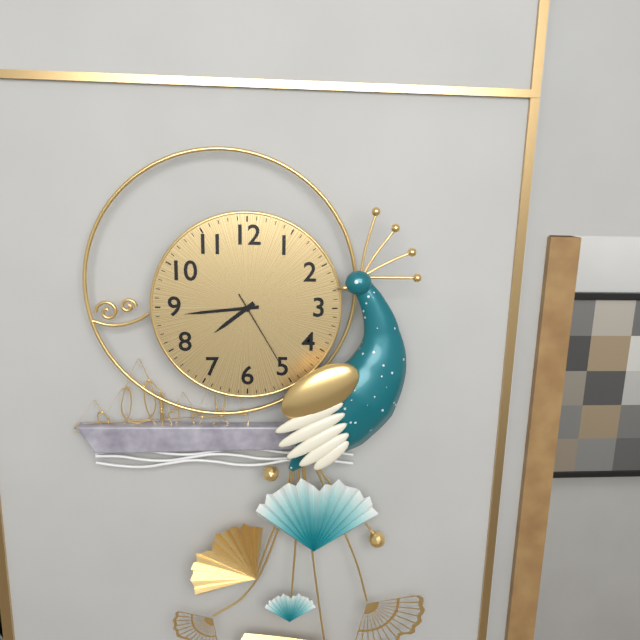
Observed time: 7:44:25
